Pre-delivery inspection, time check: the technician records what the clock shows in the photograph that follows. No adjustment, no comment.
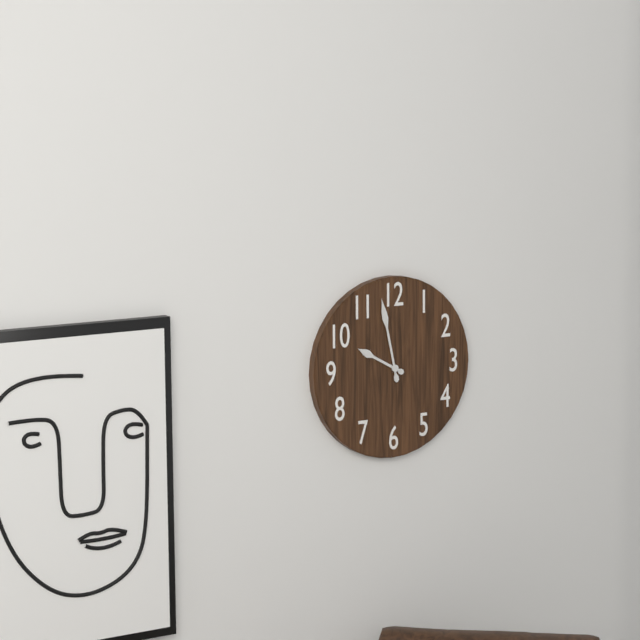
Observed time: 9:58
